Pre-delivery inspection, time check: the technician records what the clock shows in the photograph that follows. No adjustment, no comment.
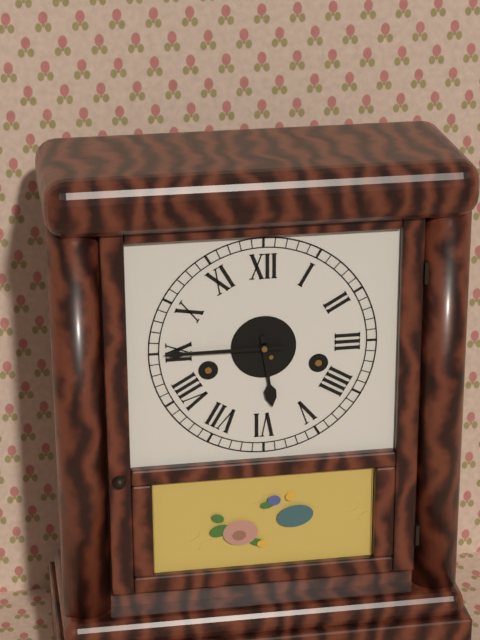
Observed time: 5:45
